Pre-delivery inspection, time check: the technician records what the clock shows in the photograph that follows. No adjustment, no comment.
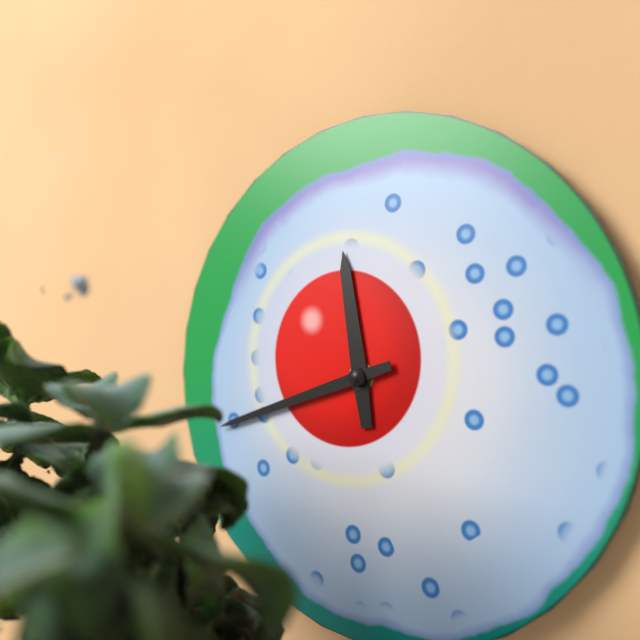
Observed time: 11:42
